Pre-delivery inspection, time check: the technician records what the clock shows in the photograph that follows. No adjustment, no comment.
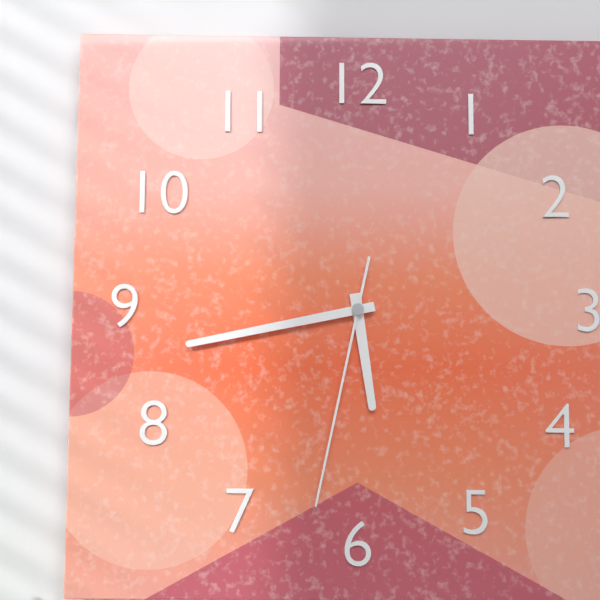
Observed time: 5:43:32
